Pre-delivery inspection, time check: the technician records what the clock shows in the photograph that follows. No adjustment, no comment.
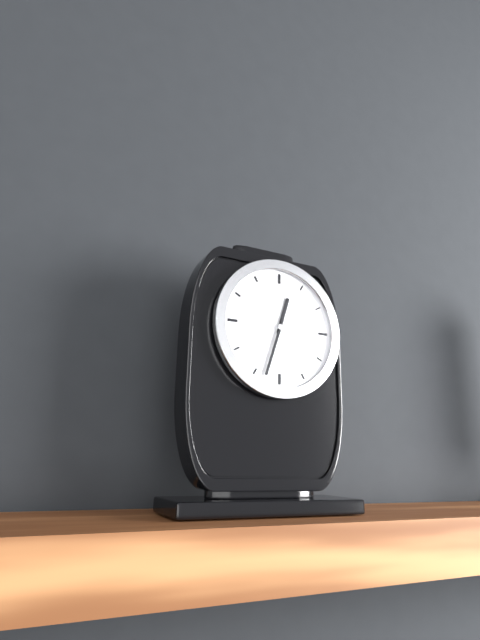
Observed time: 12:33
